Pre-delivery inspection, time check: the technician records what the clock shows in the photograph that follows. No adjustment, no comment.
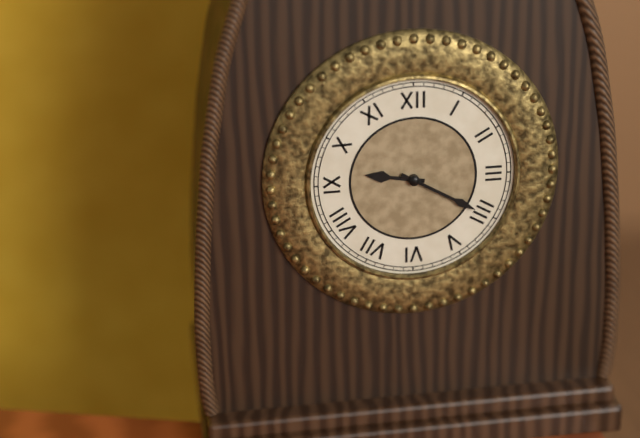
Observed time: 9:20
